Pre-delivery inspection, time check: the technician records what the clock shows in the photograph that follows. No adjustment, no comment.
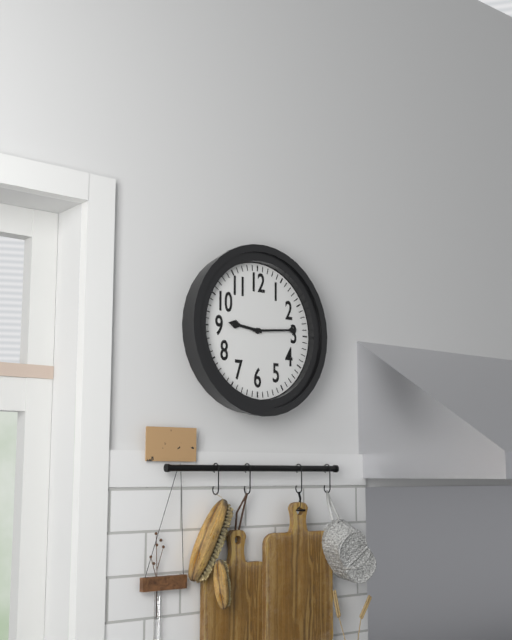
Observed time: 9:14
